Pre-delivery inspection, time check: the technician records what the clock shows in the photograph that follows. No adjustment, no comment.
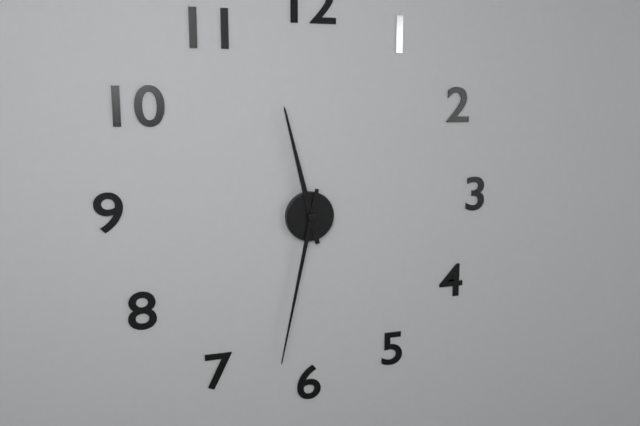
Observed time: 11:32
